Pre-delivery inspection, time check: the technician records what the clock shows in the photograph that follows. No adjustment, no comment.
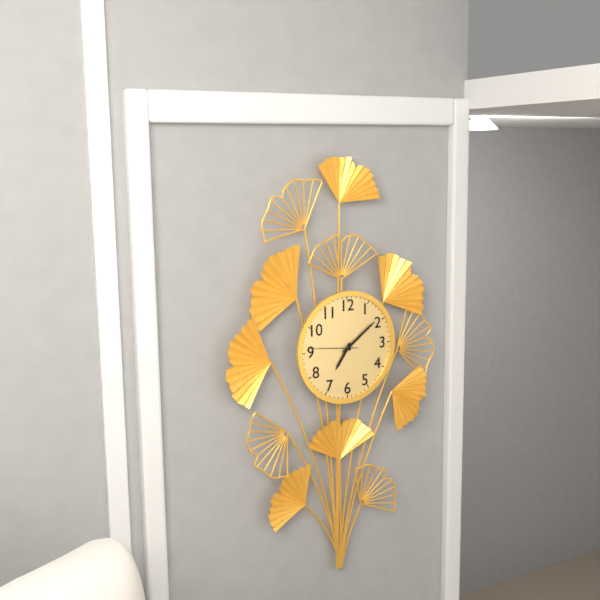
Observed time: 7:09
